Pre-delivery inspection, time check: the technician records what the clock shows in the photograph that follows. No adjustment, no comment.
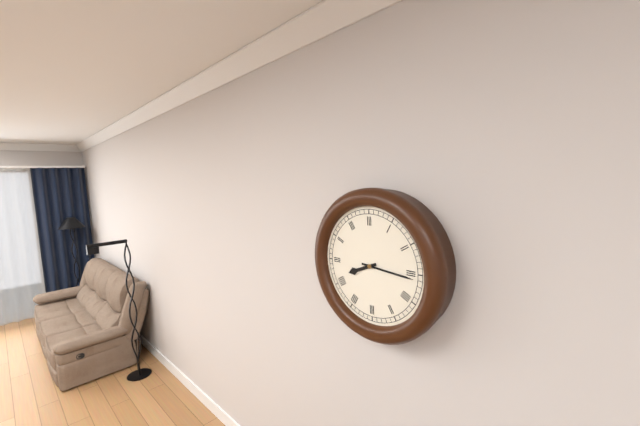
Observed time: 8:16
